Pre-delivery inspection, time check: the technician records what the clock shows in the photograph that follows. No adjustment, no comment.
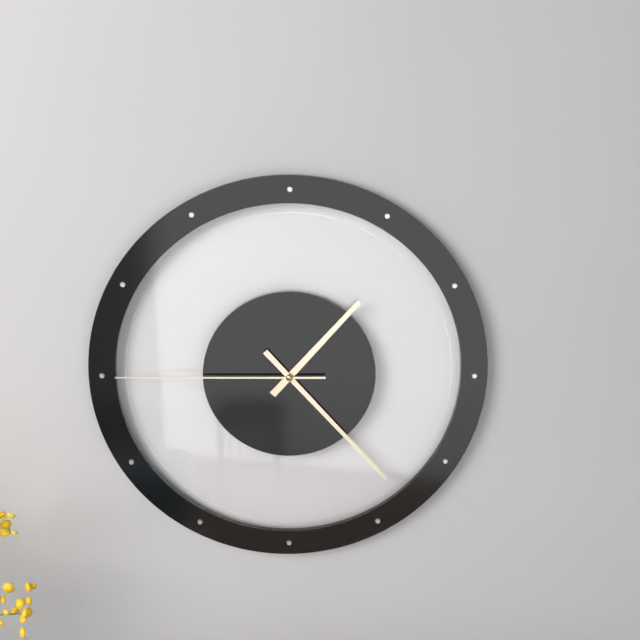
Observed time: 1:23:45
